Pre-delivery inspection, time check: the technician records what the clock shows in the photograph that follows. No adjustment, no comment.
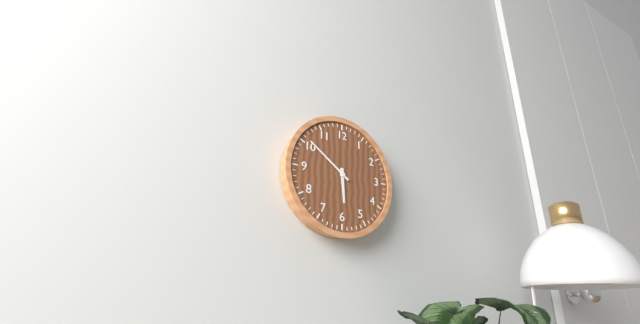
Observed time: 5:51
